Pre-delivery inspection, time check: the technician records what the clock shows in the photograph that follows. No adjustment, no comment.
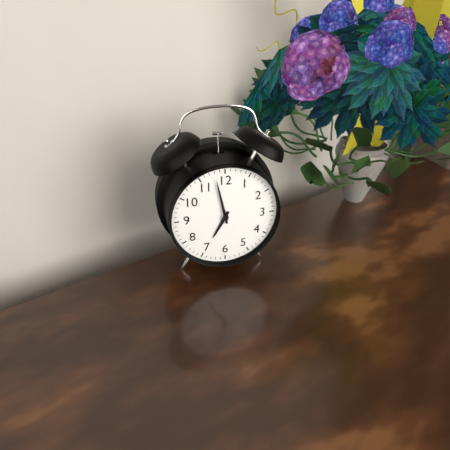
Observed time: 6:58
